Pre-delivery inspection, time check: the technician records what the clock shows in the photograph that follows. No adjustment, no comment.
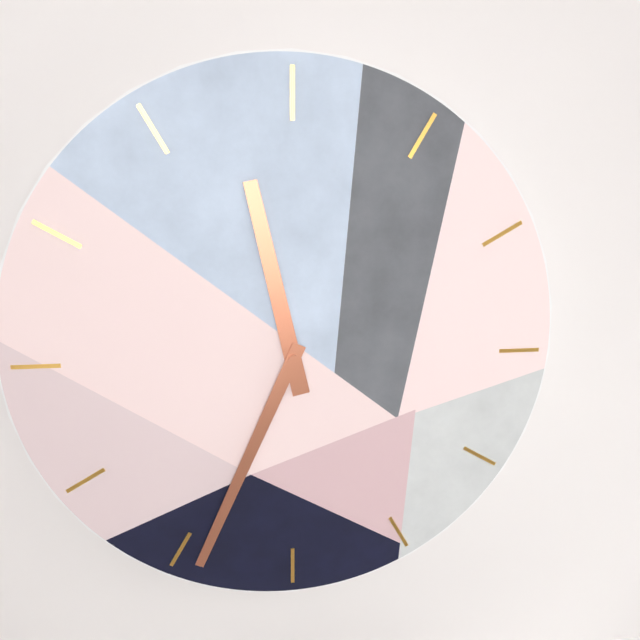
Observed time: 11:34
